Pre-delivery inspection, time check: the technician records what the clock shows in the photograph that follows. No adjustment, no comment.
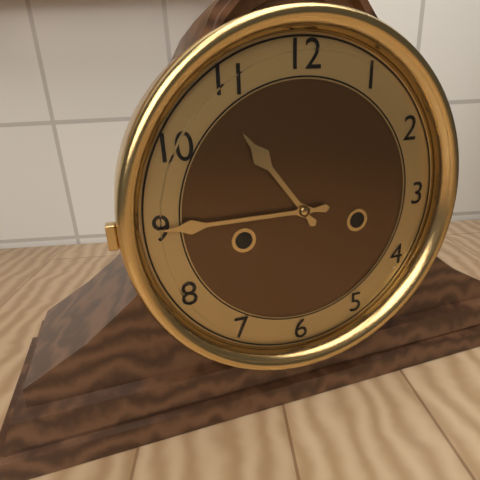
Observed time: 10:45
